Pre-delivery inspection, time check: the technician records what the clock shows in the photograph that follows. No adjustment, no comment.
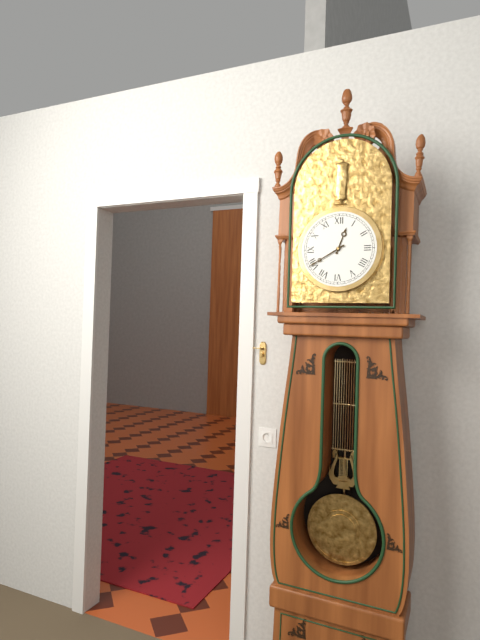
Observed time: 12:40
